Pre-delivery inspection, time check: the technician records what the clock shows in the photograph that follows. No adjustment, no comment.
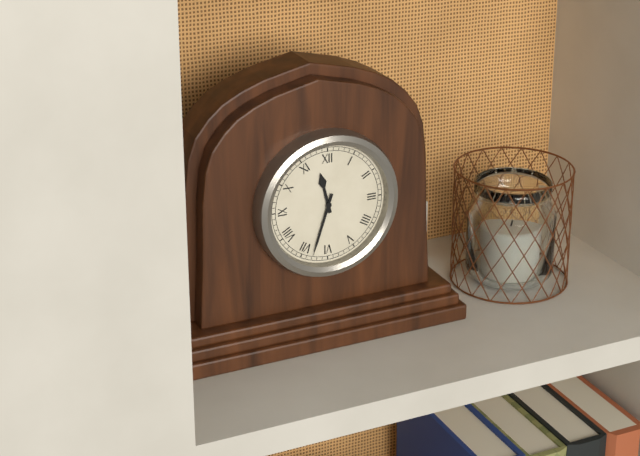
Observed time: 11:33
